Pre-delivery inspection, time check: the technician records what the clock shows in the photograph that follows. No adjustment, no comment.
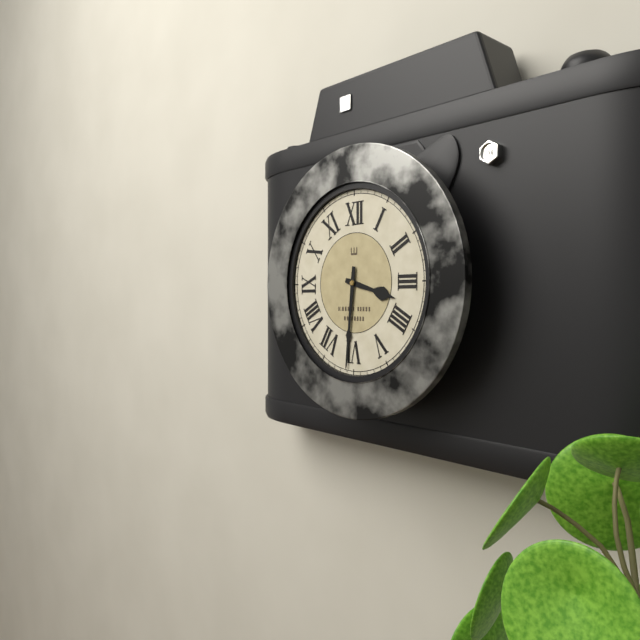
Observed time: 3:31
